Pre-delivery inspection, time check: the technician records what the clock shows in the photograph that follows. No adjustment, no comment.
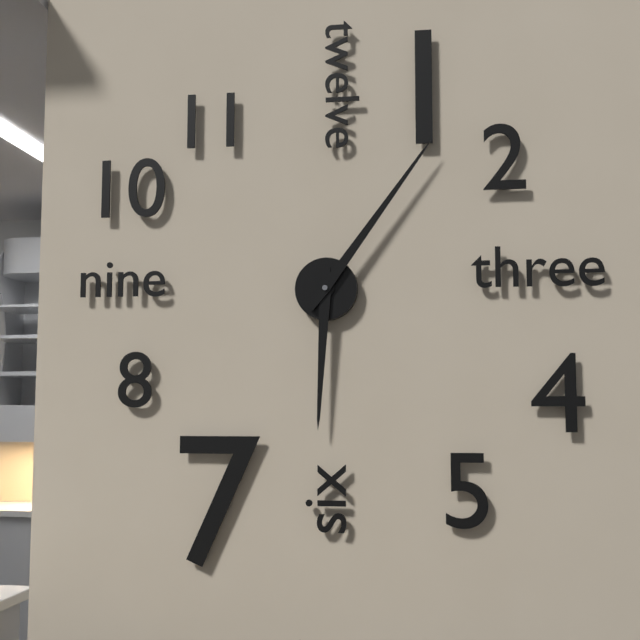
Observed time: 6:06
